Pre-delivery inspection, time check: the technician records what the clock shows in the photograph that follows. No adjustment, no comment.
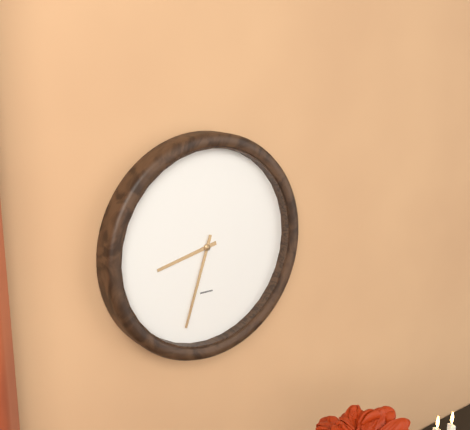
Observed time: 8:33
